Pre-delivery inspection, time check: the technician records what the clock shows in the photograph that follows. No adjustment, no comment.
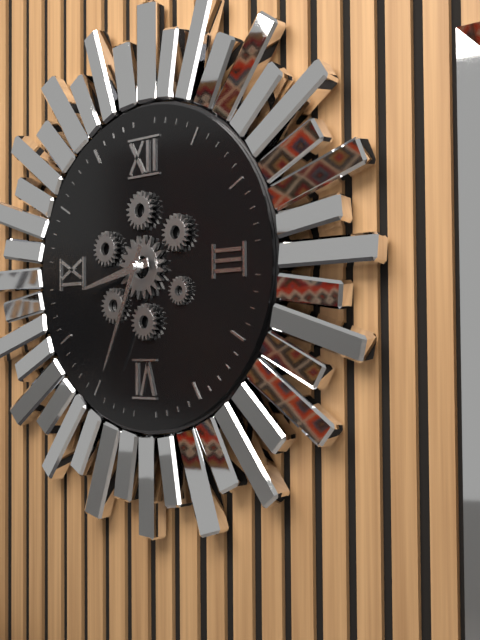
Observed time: 8:34
